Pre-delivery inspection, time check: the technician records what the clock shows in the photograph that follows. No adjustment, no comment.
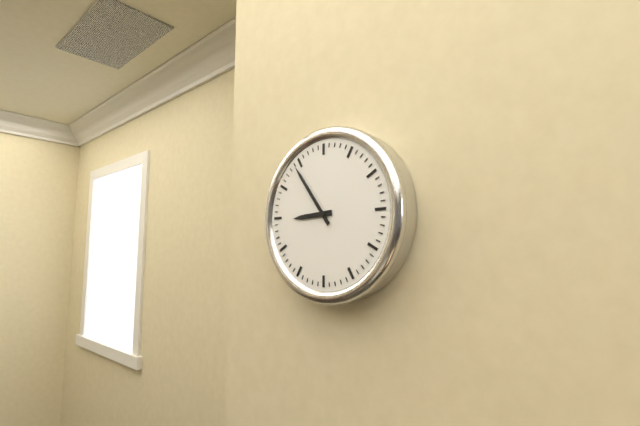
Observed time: 8:54
